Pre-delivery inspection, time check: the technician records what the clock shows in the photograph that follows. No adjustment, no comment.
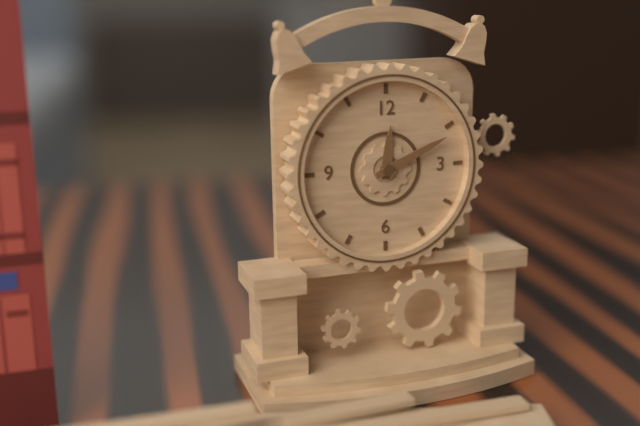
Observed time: 12:11
